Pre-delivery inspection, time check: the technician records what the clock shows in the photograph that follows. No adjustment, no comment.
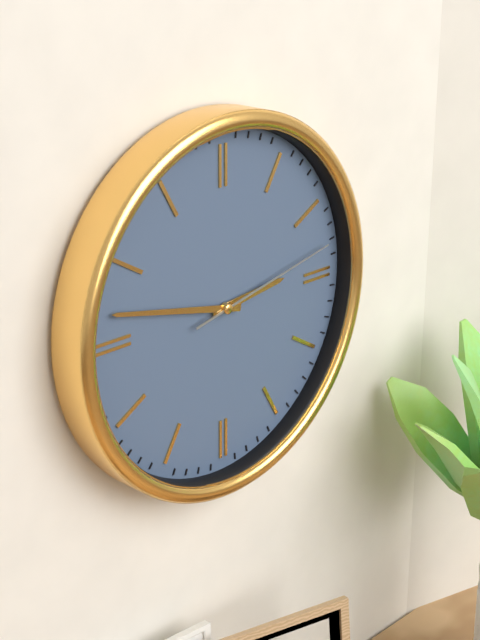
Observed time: 2:47:13
